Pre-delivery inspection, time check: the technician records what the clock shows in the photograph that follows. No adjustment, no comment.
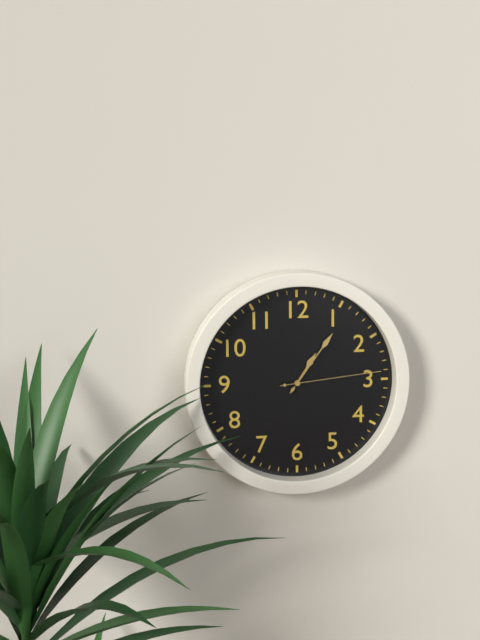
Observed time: 1:06:14
